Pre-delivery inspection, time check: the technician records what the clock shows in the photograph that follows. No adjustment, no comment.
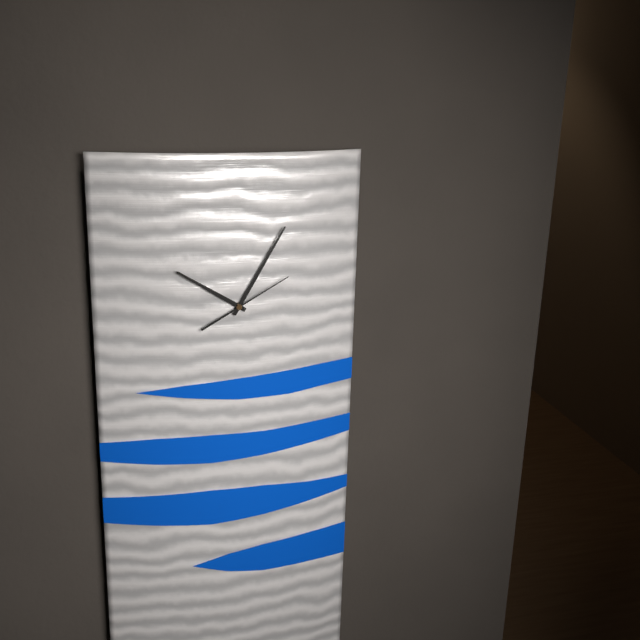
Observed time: 10:05:10
